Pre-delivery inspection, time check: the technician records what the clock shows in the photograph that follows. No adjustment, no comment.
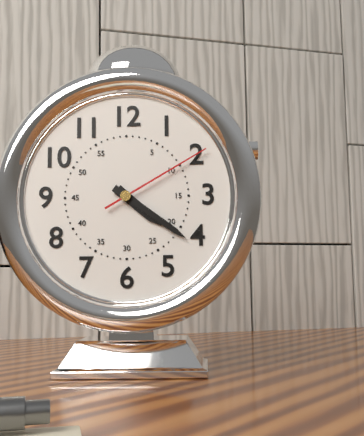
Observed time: 4:21:10
